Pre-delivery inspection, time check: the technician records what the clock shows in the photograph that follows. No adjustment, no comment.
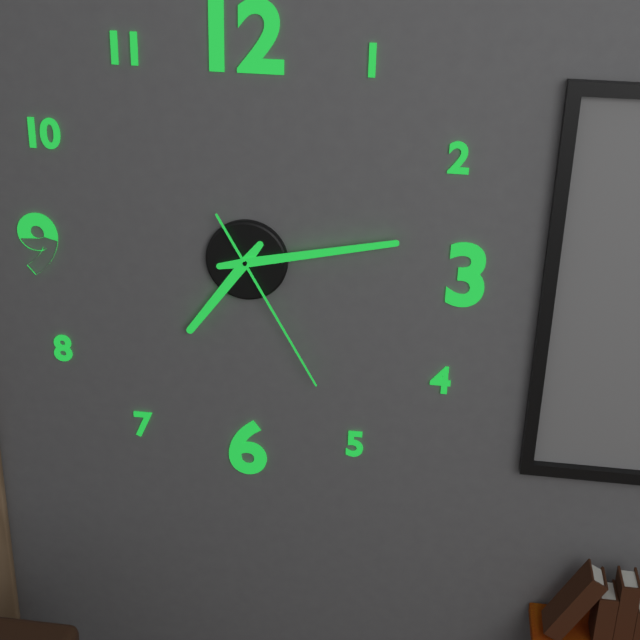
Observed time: 7:13:25
